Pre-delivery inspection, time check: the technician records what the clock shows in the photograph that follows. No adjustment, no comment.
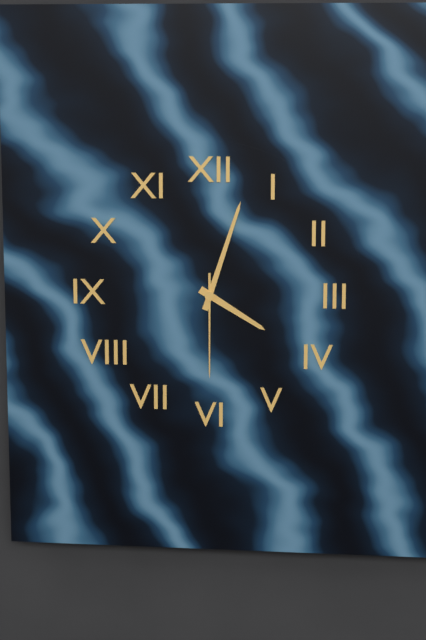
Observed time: 4:03:30
